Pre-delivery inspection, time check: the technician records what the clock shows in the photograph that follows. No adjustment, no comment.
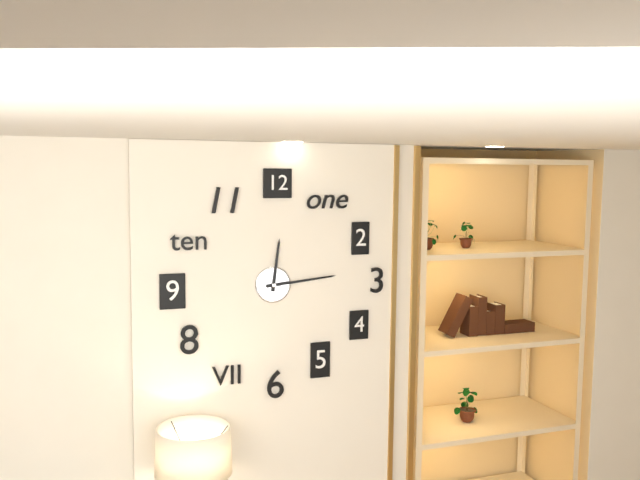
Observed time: 12:14
